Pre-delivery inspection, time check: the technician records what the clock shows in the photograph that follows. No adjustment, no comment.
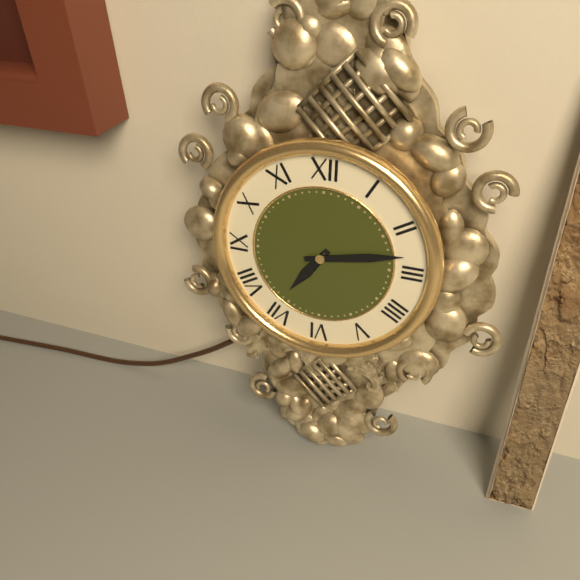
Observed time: 7:13
